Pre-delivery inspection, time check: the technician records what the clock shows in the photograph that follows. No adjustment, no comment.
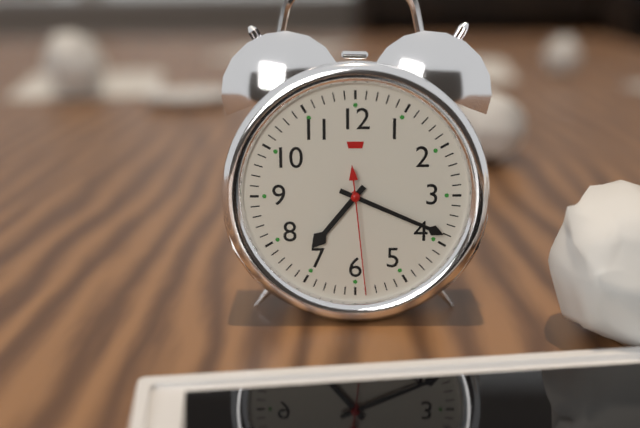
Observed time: 7:19:29
